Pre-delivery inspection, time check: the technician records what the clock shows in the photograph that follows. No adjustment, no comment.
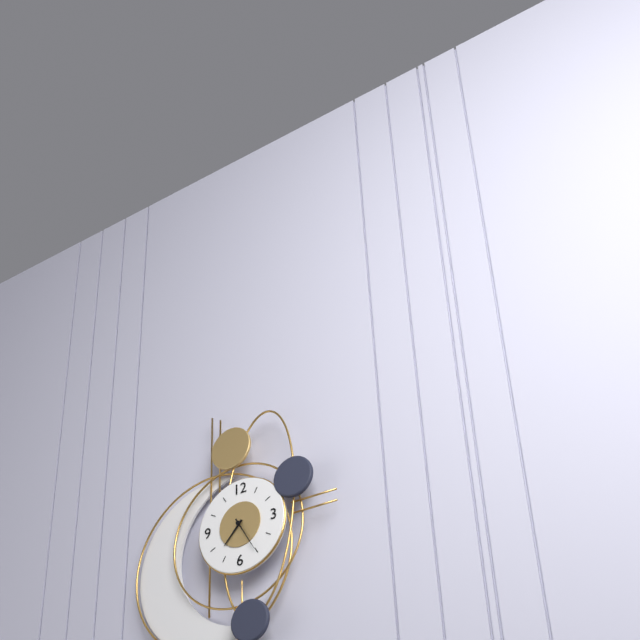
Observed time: 7:25
